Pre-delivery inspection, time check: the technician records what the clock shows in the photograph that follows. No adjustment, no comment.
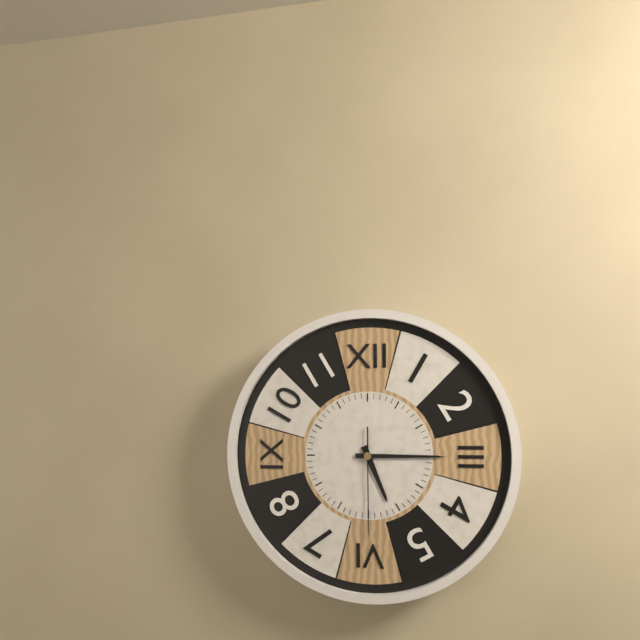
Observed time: 5:15:30
